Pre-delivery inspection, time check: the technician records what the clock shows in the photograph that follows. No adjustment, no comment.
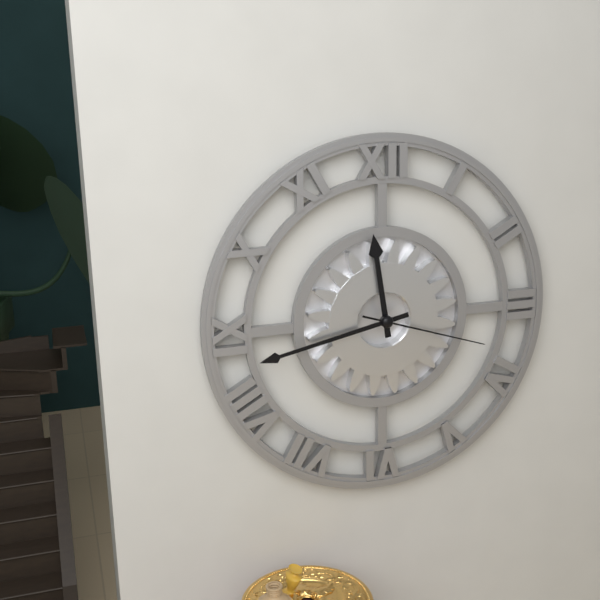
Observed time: 11:43:18
